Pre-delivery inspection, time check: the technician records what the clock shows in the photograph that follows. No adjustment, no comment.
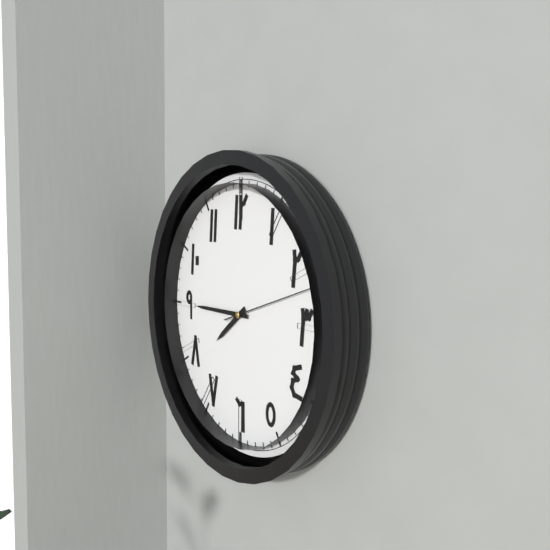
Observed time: 7:45:12
